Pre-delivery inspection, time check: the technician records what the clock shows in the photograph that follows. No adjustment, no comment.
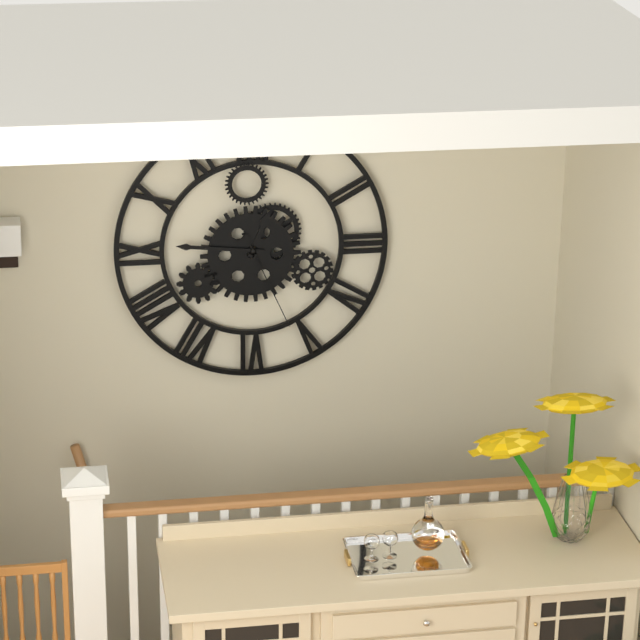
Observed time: 12:46:26
